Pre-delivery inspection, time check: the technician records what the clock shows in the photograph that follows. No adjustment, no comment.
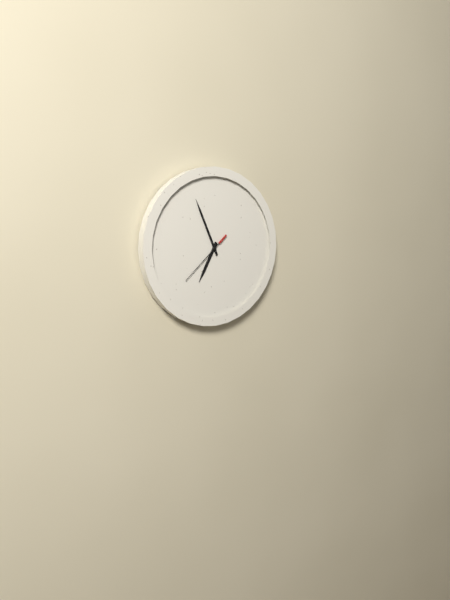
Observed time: 6:56
